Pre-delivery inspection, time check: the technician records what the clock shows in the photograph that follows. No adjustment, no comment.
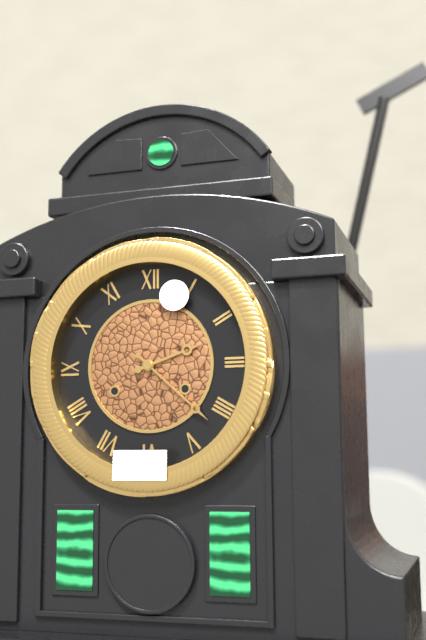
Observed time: 2:22
